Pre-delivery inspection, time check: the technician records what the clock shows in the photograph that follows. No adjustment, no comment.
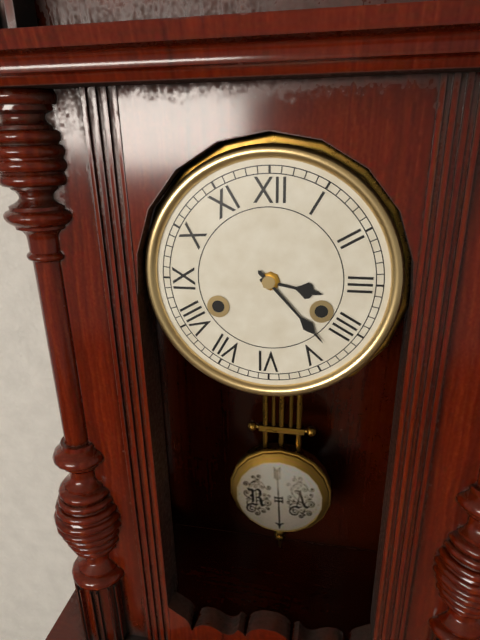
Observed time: 3:23
